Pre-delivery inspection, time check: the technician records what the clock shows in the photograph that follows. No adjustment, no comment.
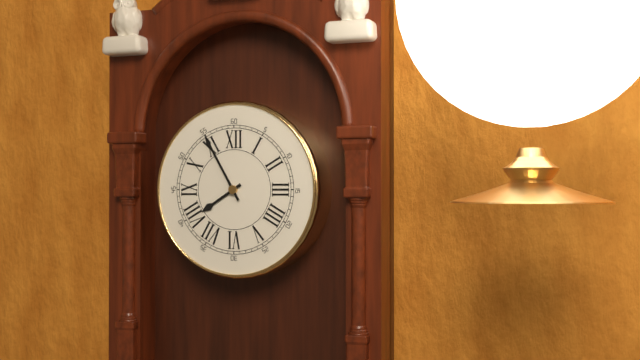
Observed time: 7:55
